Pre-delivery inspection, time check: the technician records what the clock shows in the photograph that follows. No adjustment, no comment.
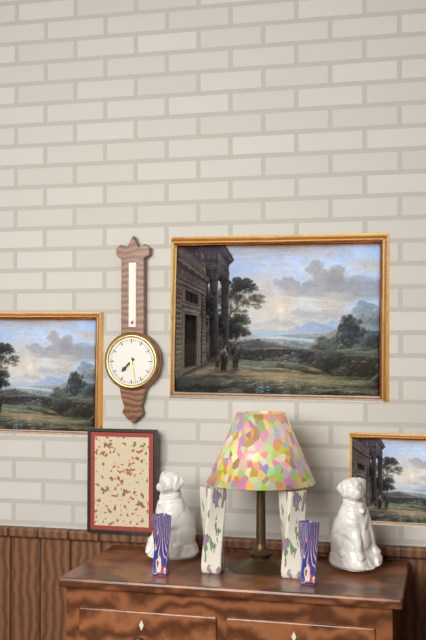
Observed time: 7:28
